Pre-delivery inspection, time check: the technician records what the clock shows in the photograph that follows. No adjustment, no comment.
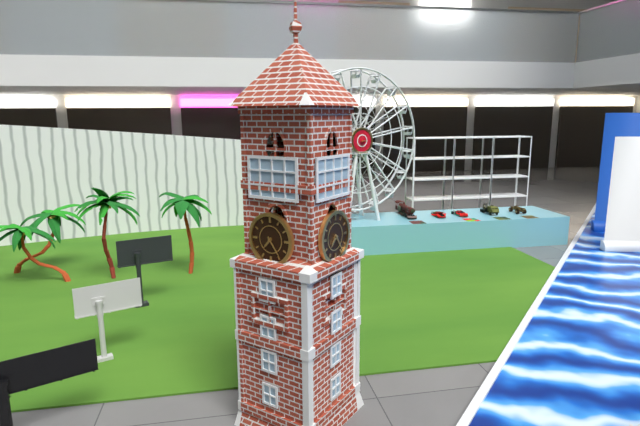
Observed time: 7:24
